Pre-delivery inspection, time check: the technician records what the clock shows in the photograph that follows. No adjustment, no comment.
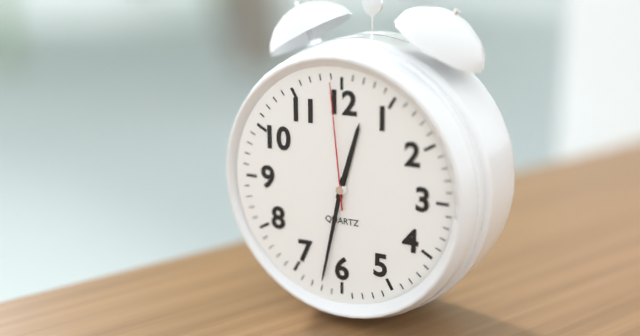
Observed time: 12:32:59
